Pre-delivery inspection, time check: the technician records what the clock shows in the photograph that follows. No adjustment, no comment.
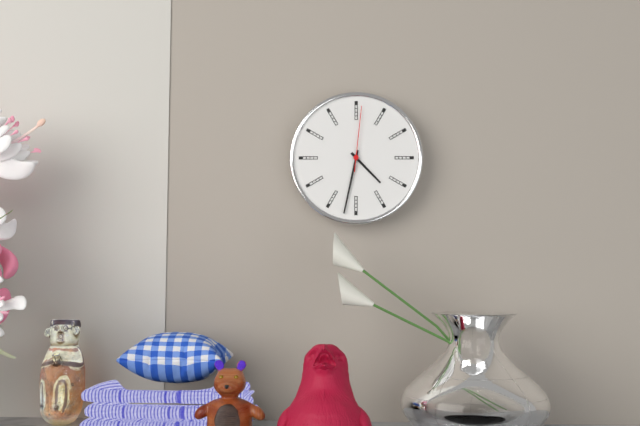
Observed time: 4:32:01
